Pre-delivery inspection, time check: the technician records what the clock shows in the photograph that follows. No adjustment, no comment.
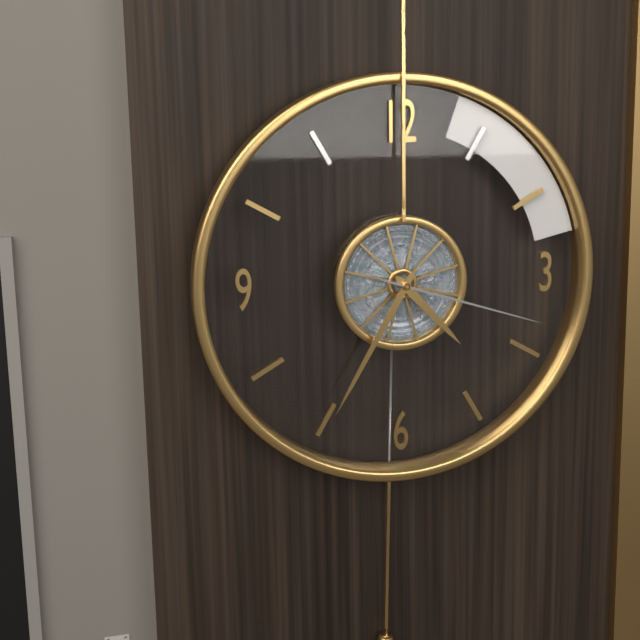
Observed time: 4:35:18
